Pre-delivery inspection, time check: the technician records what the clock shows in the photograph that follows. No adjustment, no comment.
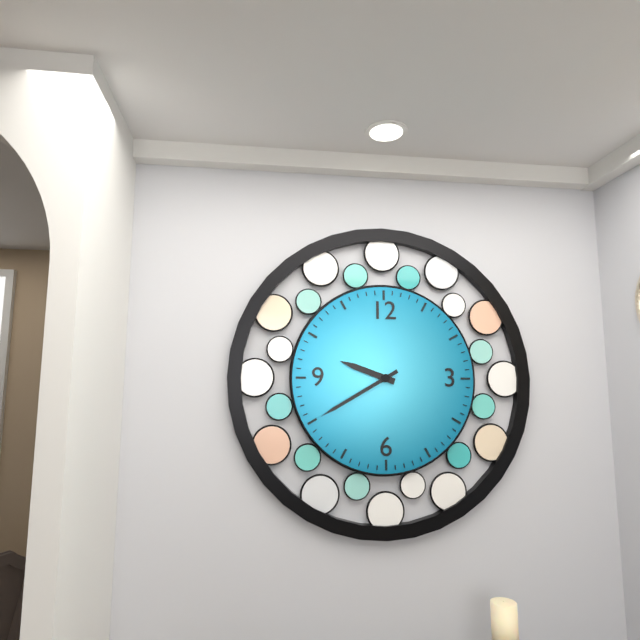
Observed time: 9:40
